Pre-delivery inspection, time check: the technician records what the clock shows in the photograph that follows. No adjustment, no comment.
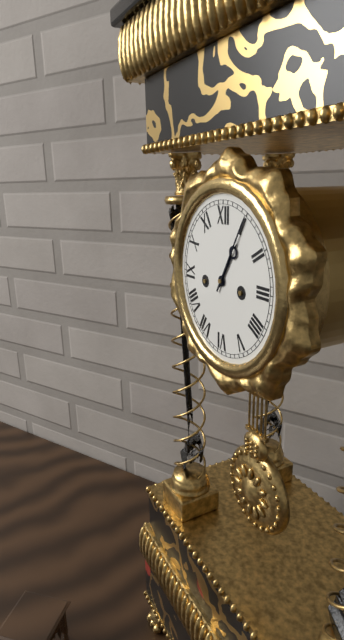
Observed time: 1:05
